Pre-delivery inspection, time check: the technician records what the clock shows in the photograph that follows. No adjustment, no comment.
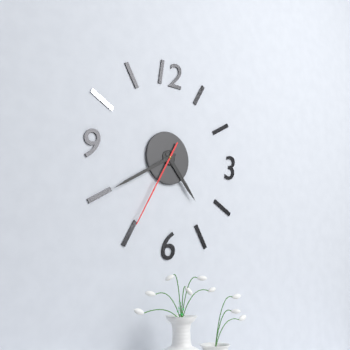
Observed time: 4:40:35
